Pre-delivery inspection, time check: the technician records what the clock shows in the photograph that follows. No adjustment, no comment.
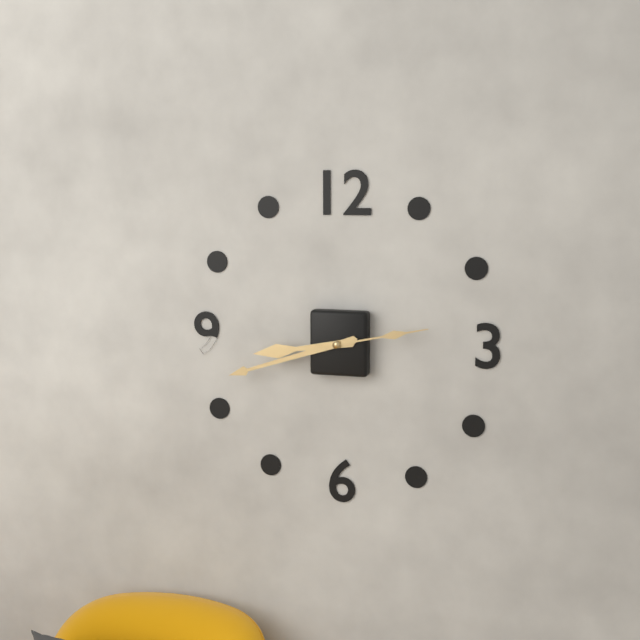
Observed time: 8:42:13
